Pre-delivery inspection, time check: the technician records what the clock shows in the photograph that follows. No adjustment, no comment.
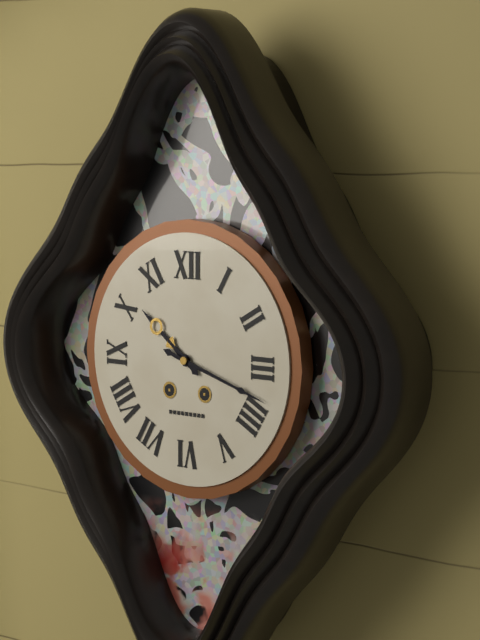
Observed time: 10:18
